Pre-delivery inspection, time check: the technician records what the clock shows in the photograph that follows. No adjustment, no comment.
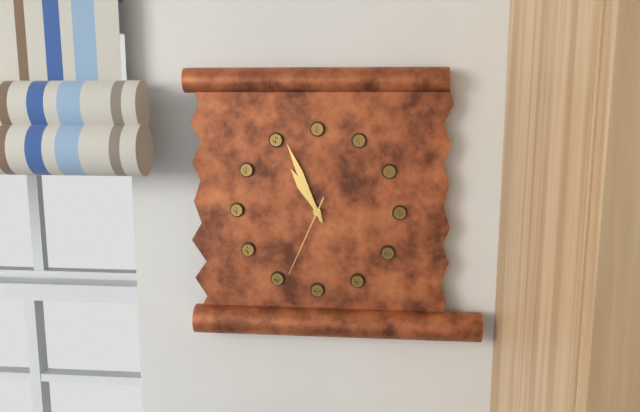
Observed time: 10:56:34
